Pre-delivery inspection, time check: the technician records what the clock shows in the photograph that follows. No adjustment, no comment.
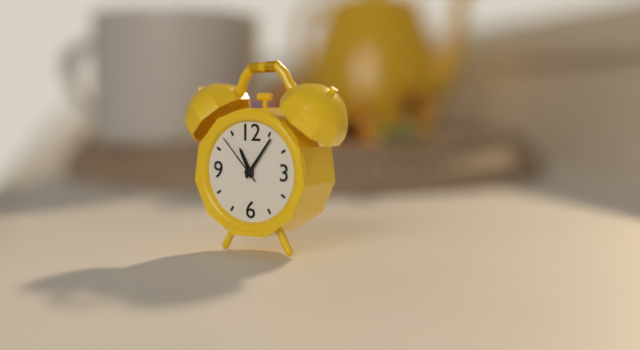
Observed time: 11:06:53
